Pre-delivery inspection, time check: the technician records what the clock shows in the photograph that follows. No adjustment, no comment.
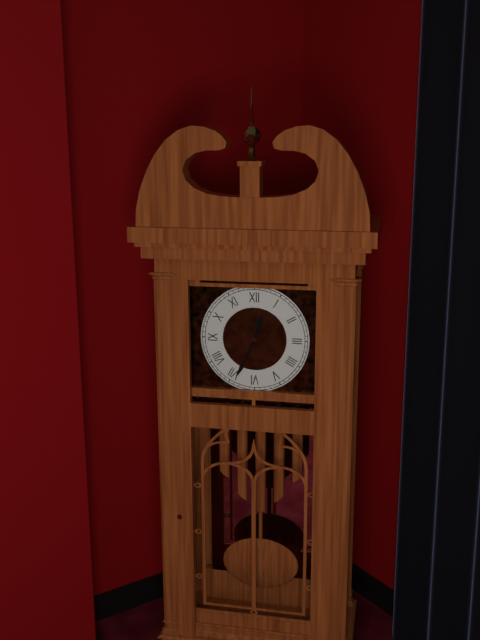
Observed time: 12:34
